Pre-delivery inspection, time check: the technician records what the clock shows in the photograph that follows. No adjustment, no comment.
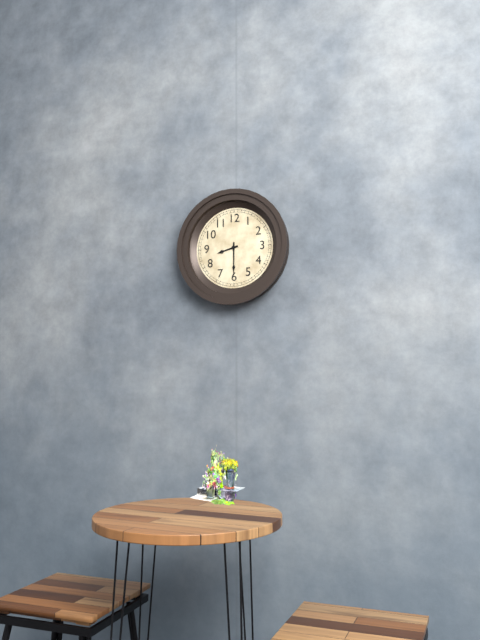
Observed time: 8:30
